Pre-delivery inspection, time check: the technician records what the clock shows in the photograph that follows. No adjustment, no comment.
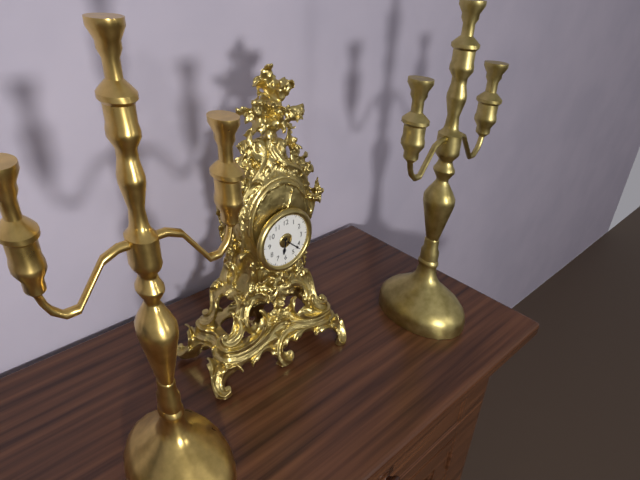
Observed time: 6:22
